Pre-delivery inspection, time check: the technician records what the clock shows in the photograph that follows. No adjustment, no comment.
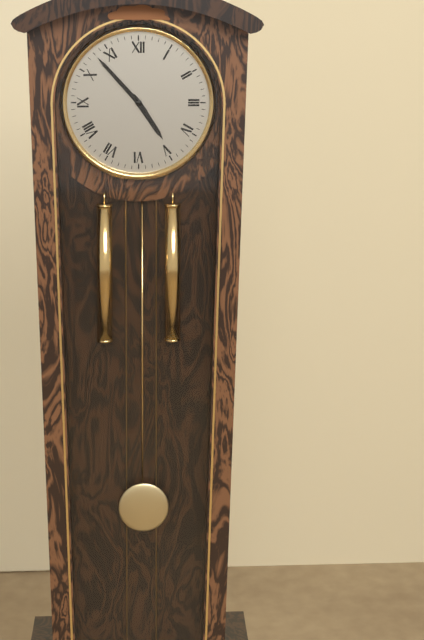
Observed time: 4:53
